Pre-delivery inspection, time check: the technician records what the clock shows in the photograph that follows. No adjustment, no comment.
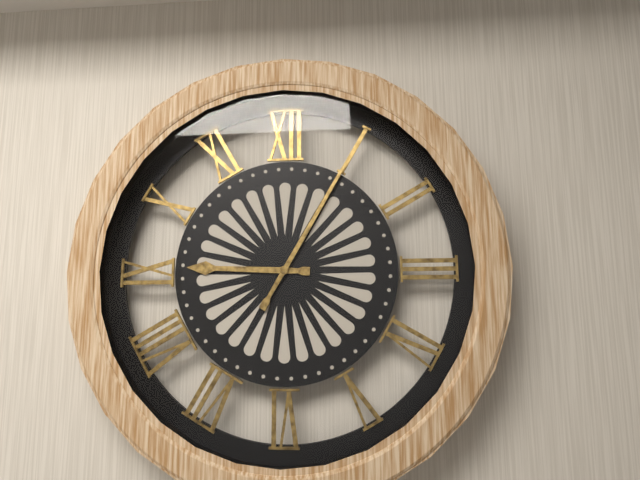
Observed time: 9:05
